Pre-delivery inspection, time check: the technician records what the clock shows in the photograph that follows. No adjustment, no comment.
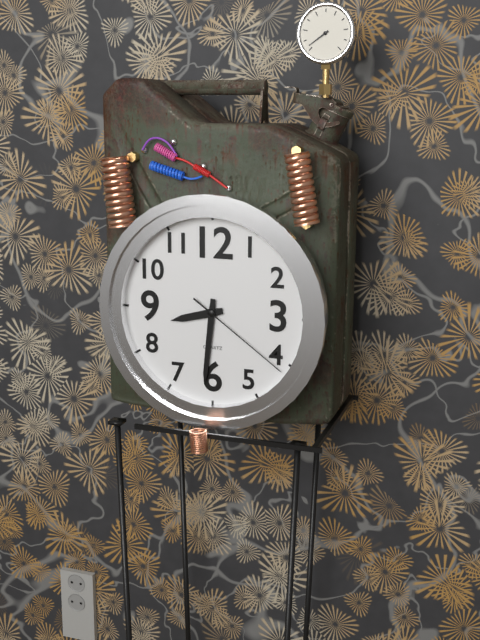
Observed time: 8:31:21
